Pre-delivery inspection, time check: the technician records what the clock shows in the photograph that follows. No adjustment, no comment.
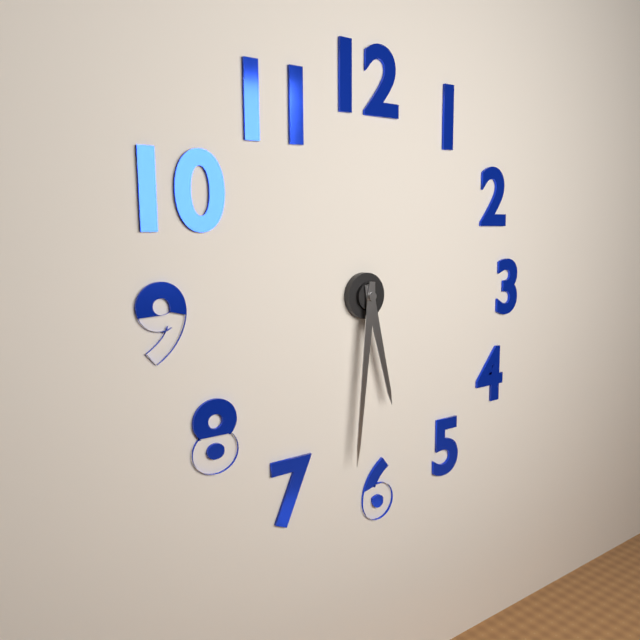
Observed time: 5:31
